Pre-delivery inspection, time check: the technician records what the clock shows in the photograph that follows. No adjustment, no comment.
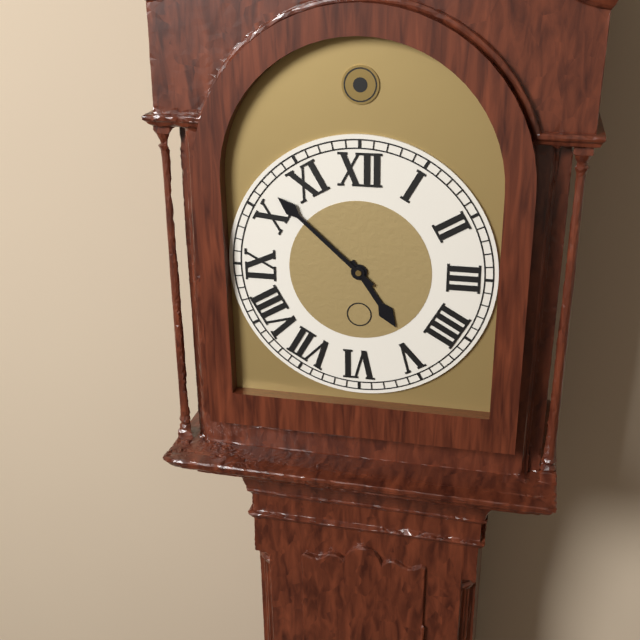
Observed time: 4:52
